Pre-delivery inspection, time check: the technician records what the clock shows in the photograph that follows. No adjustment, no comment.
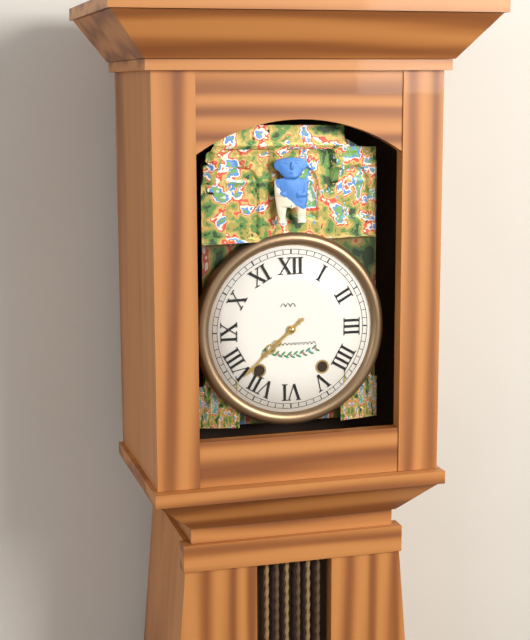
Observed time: 7:38
